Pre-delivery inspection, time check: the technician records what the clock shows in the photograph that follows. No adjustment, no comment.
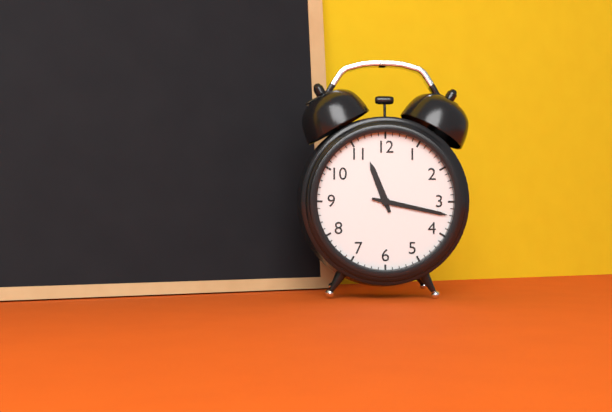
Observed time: 11:17
